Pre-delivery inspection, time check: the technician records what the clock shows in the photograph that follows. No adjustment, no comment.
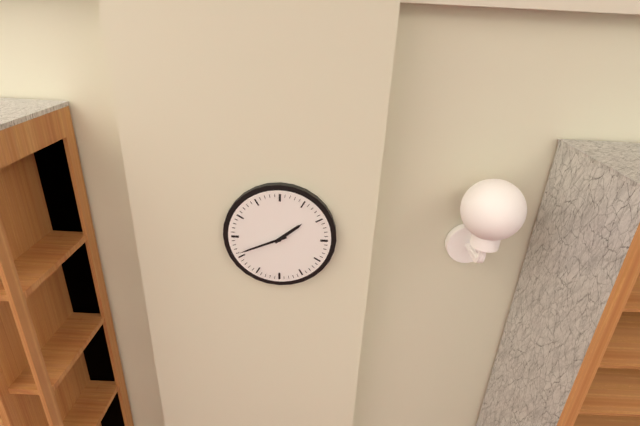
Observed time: 1:41
